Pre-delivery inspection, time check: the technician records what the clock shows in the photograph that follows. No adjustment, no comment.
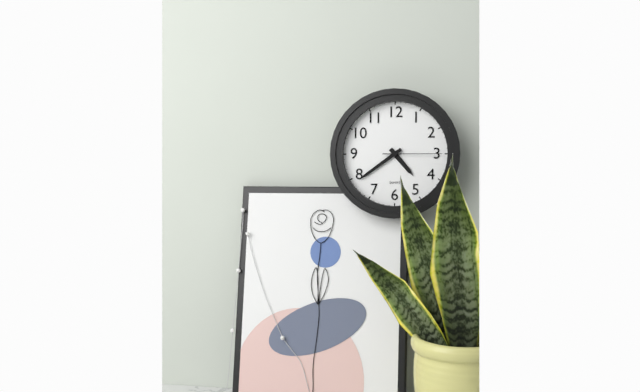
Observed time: 4:39:15
